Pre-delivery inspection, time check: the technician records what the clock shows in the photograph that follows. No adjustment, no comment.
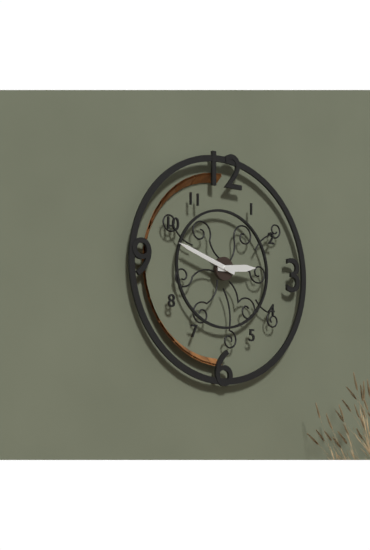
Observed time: 2:48
